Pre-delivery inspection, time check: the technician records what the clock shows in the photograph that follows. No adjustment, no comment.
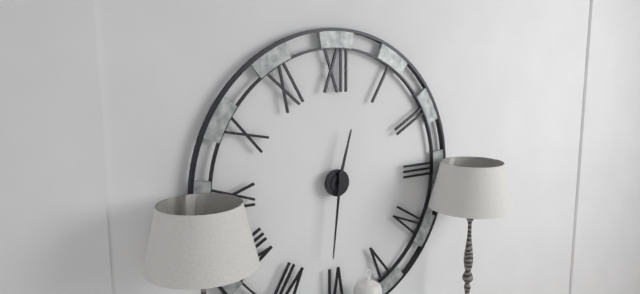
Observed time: 12:31
